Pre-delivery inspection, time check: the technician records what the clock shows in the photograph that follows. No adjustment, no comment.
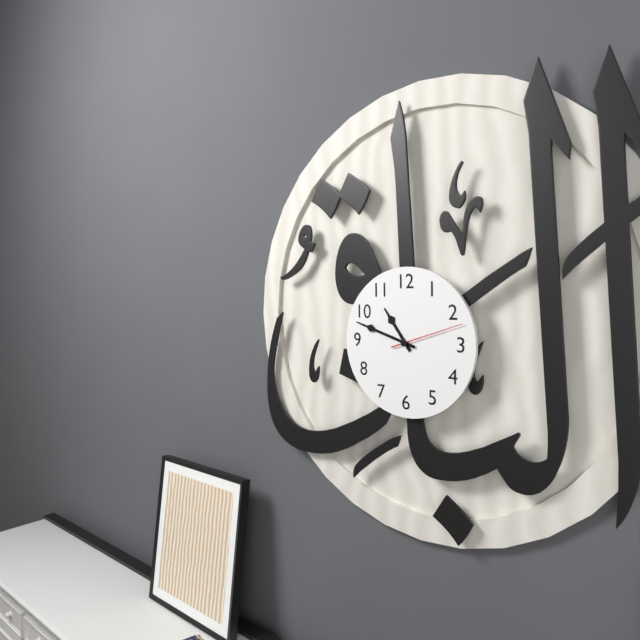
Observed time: 10:48:12
